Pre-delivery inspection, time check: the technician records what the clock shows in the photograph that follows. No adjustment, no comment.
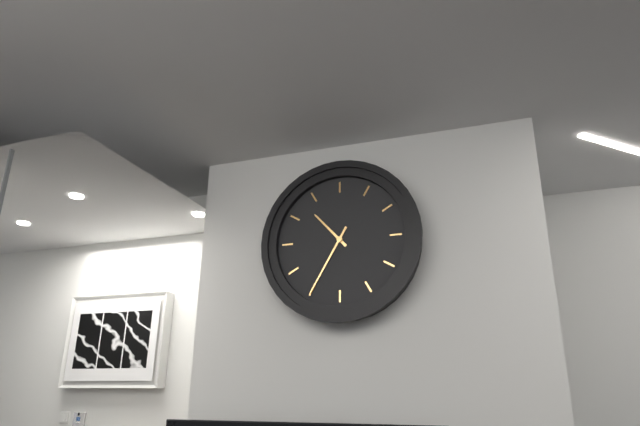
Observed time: 10:35
